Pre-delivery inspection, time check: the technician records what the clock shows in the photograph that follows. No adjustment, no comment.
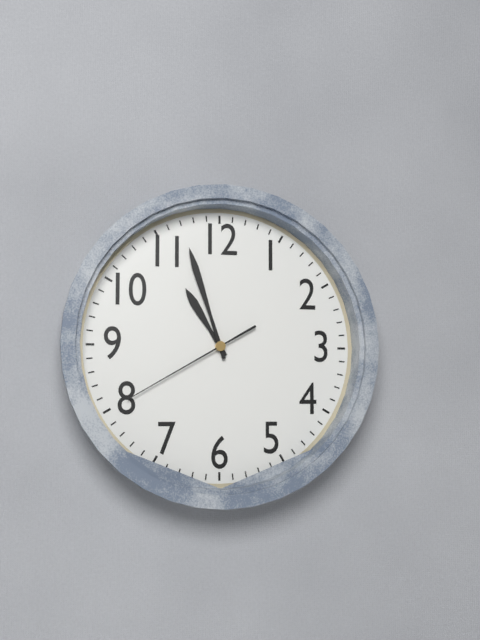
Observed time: 10:57:40
